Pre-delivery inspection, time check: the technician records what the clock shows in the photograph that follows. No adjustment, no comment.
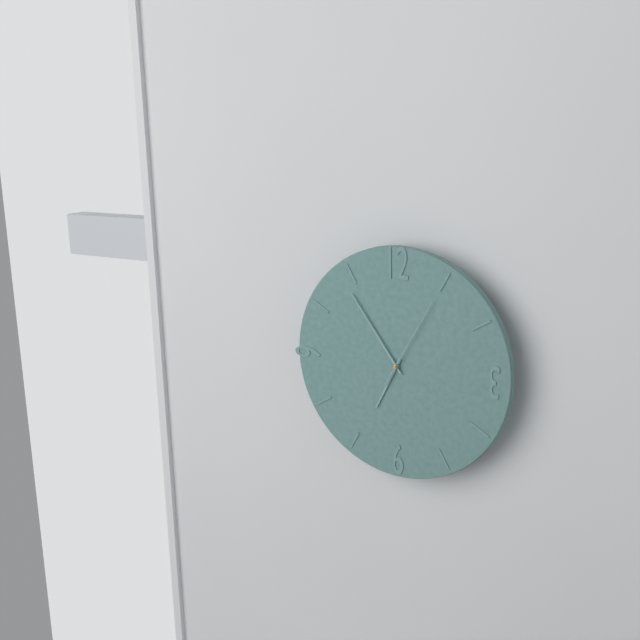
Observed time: 6:54:05
